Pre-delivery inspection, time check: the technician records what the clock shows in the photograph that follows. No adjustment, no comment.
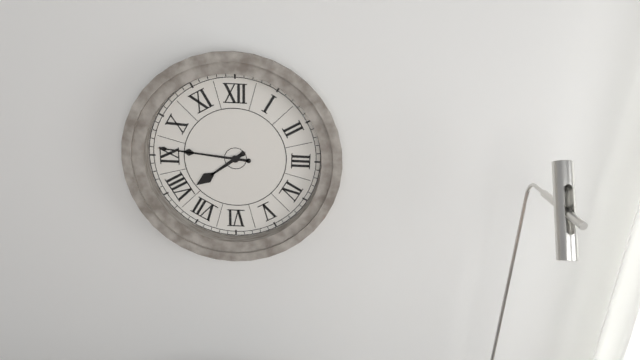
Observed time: 7:46
